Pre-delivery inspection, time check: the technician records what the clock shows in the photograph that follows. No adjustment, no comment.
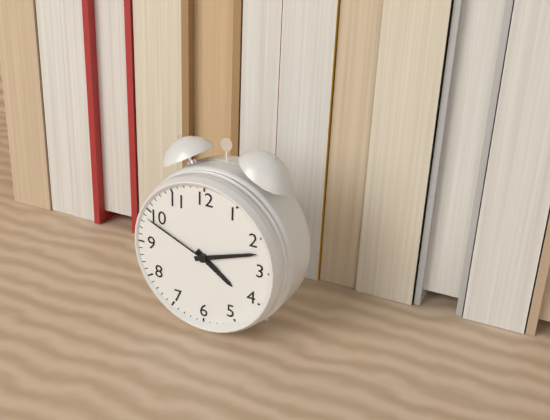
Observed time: 4:12:49
